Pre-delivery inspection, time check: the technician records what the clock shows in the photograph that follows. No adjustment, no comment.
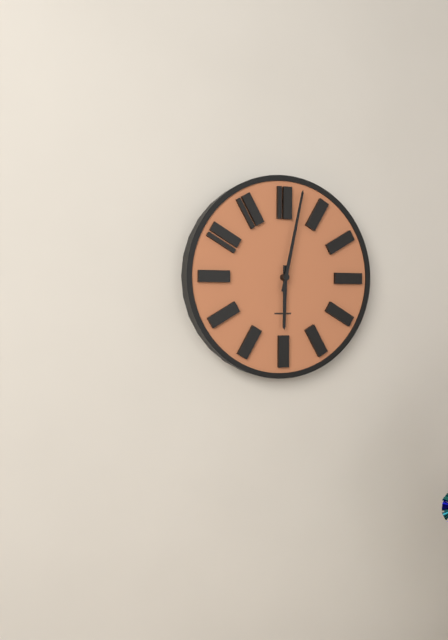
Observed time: 6:02
